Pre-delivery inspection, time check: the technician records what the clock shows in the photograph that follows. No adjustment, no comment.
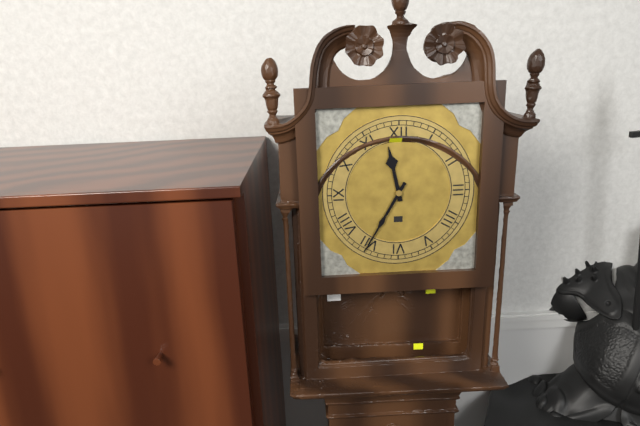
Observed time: 11:35
